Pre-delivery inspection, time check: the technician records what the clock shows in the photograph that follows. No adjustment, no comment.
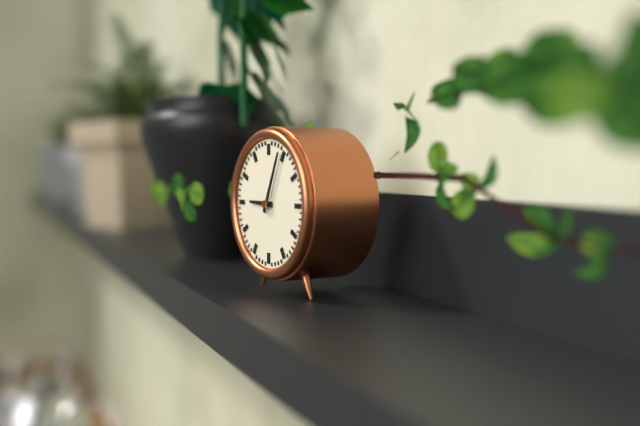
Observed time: 9:04
